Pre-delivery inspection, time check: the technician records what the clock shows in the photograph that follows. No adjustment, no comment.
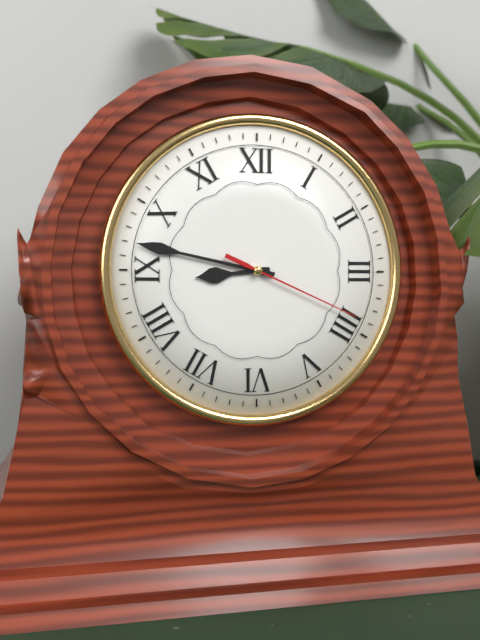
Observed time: 8:47:19
